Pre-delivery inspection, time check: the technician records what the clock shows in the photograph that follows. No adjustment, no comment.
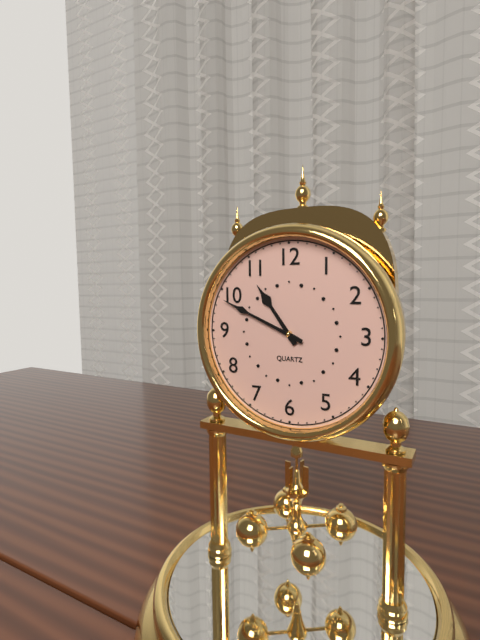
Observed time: 10:49
